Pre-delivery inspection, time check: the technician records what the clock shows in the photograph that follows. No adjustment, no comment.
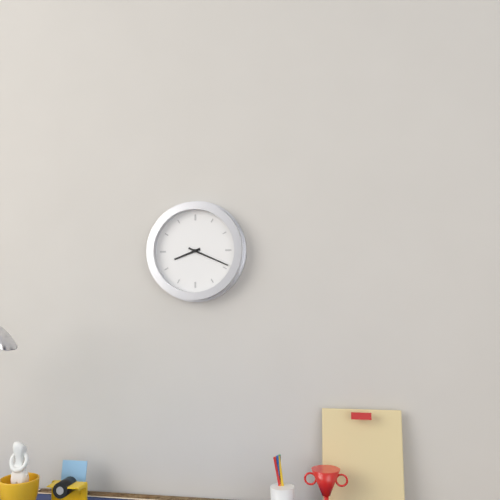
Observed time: 8:19
